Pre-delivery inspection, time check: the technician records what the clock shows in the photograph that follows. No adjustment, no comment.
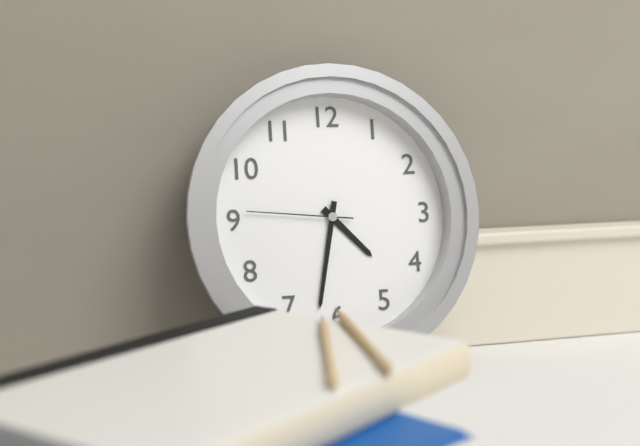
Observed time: 4:32:46
